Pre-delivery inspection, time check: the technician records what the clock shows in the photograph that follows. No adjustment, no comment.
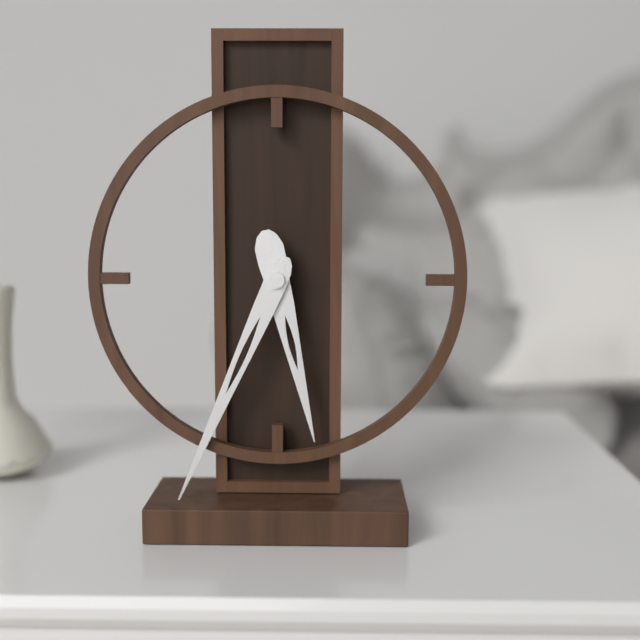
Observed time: 5:34
